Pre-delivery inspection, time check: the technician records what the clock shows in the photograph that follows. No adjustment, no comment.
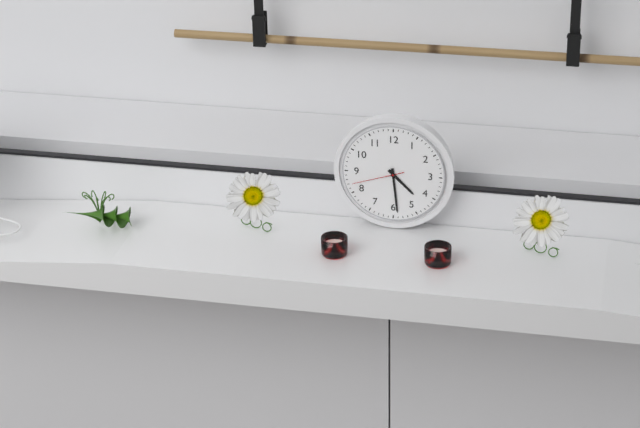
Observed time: 4:29:42
